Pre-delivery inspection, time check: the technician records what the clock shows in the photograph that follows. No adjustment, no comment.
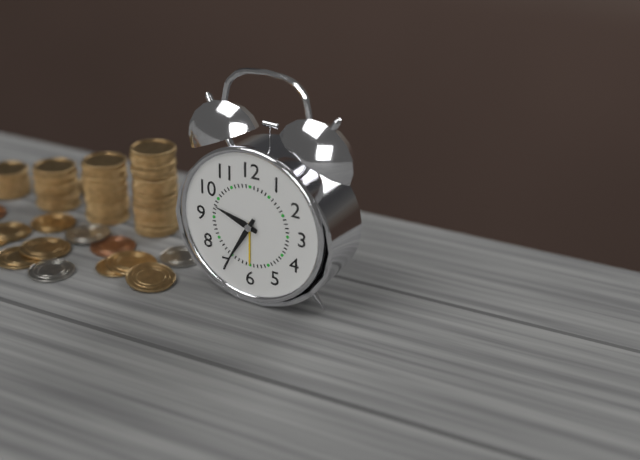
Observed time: 9:35
